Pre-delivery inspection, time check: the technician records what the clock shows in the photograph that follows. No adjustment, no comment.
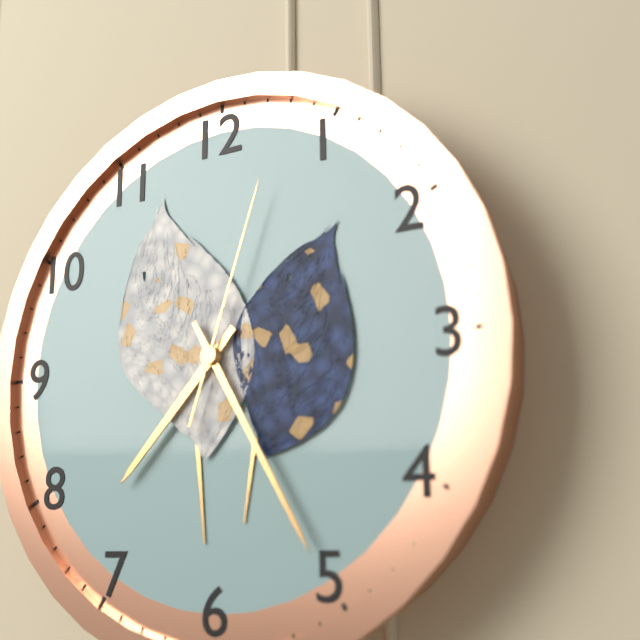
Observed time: 7:25:03
